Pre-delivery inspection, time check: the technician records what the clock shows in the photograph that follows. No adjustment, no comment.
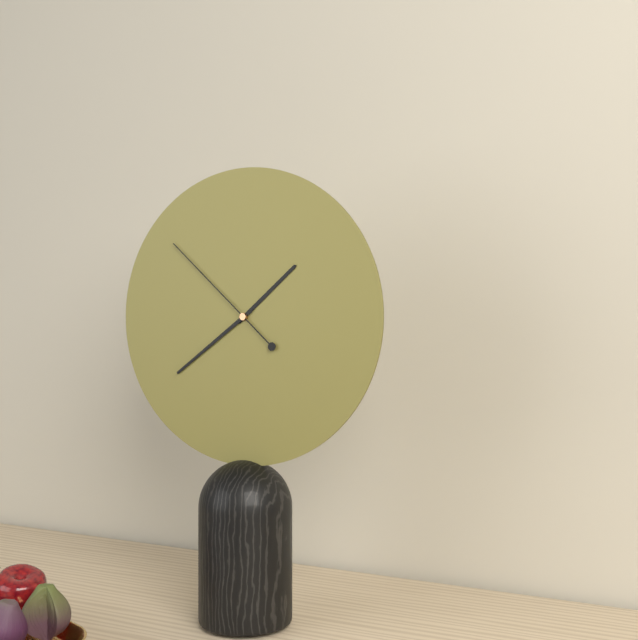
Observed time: 1:39:52
